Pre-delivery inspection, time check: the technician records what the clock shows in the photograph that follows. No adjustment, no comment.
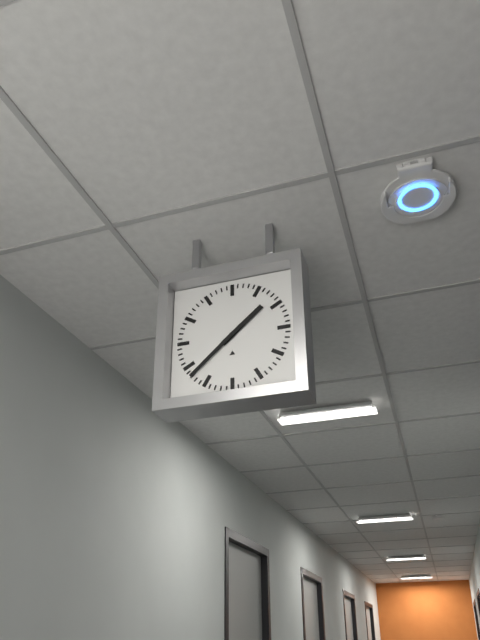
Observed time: 1:38
